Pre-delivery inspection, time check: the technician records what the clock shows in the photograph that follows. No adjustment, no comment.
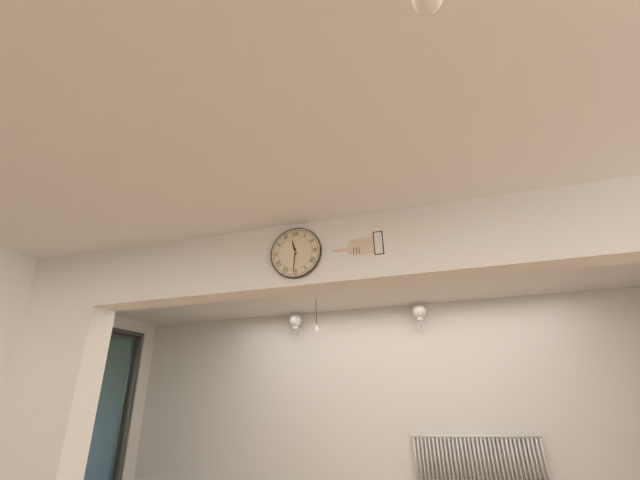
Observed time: 11:31
